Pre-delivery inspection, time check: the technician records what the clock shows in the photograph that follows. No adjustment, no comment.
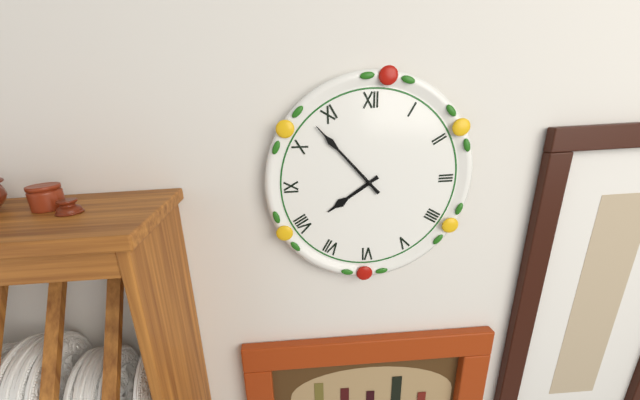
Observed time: 7:53
